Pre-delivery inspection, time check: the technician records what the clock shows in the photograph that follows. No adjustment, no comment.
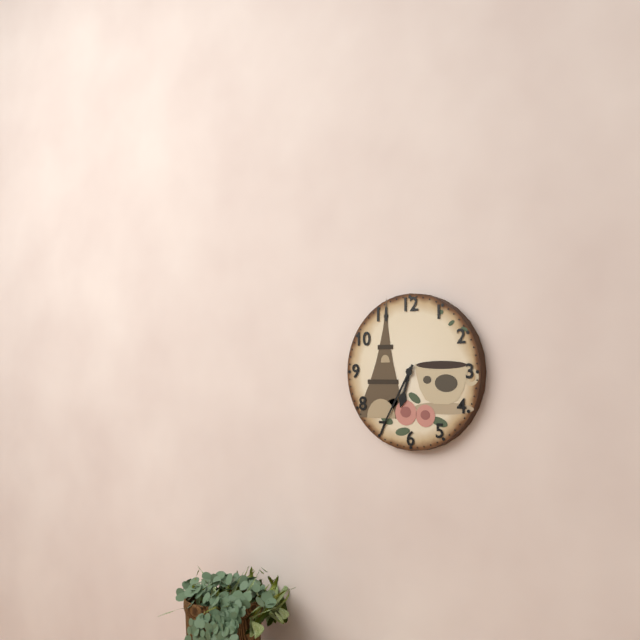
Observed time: 6:35
